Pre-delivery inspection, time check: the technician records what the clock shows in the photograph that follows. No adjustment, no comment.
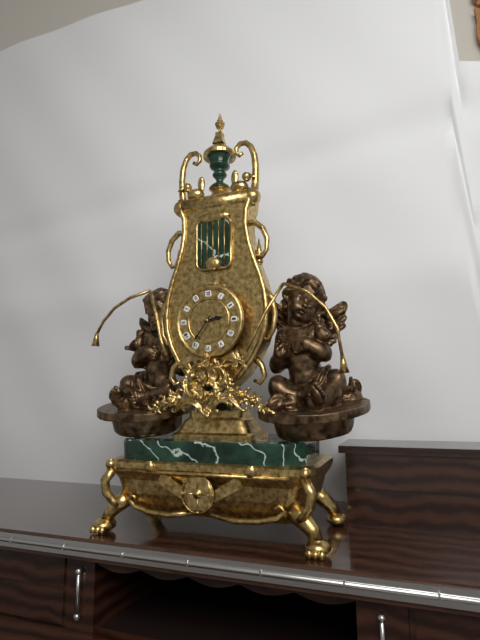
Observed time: 2:36
